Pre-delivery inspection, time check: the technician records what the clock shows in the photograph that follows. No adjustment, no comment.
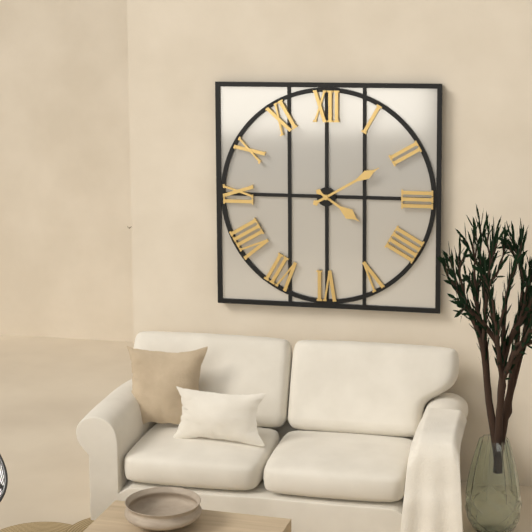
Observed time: 4:10
